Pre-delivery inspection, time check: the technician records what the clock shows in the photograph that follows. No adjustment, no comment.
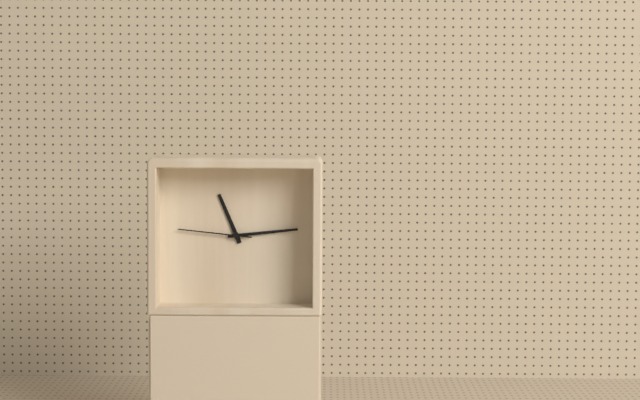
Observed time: 11:14:46
